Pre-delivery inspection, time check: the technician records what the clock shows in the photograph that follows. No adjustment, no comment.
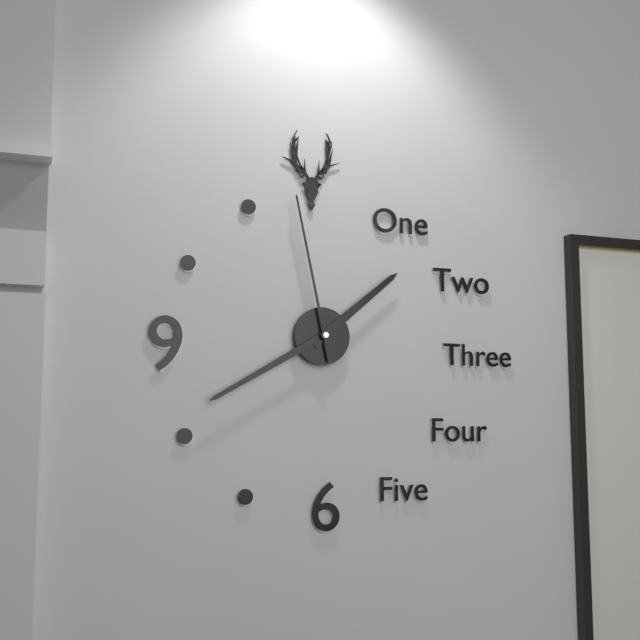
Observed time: 1:40:58
